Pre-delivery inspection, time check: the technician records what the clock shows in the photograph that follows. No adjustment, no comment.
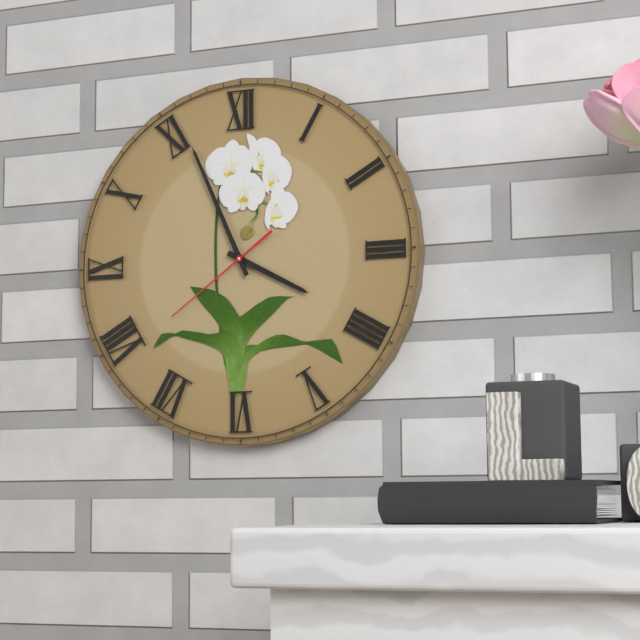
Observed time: 3:56:39
